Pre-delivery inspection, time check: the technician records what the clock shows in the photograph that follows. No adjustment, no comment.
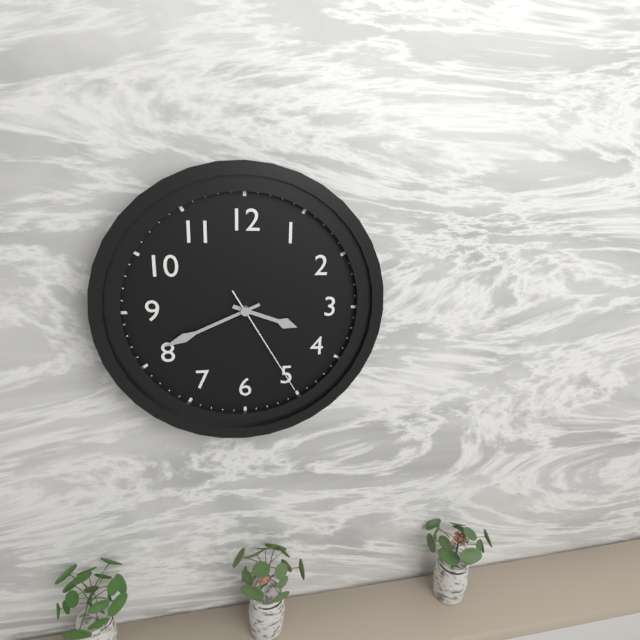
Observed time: 3:41:25
